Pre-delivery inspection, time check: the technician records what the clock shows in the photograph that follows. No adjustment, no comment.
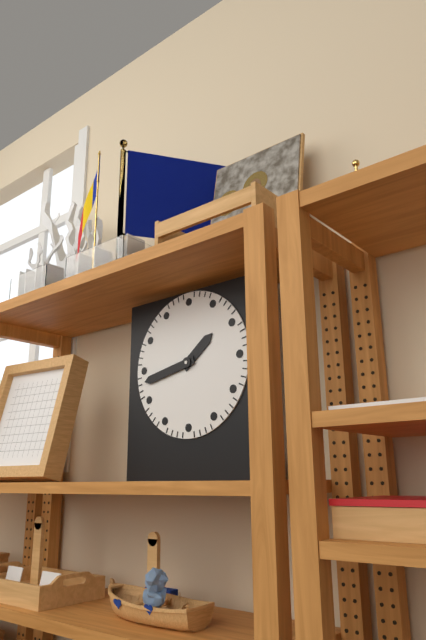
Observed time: 1:43
